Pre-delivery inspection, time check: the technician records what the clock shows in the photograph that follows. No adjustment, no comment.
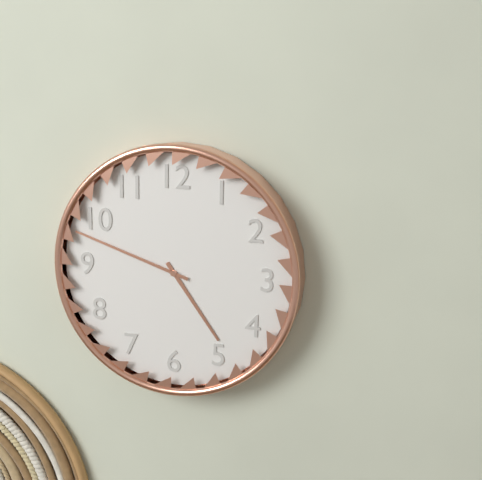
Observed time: 4:48
